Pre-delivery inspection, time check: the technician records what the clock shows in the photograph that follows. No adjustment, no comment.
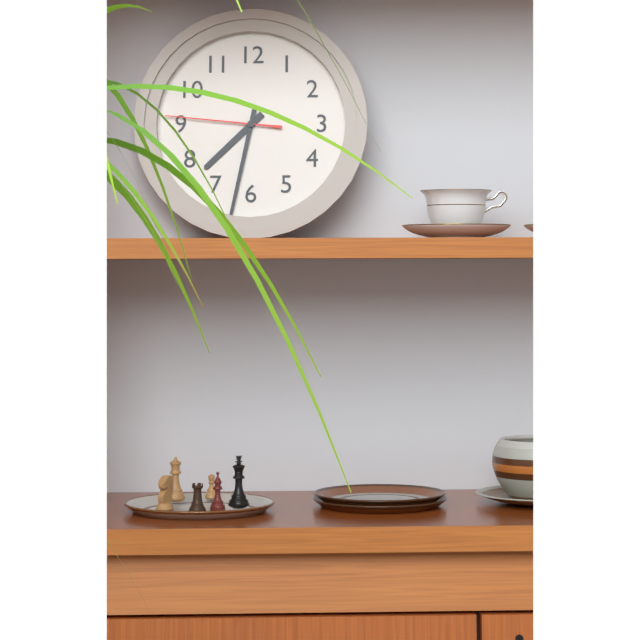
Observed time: 7:32:46
